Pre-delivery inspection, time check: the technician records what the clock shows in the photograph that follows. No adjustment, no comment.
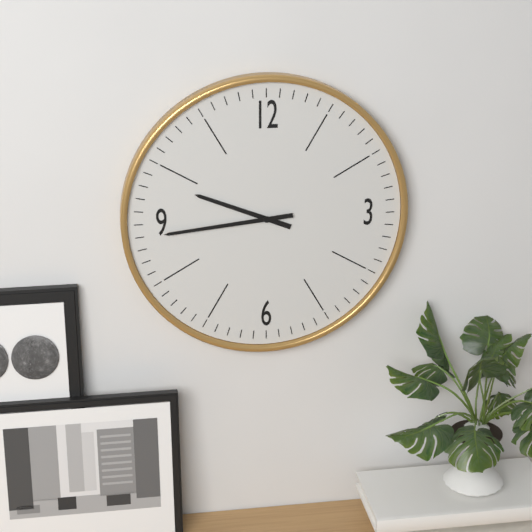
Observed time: 9:44
